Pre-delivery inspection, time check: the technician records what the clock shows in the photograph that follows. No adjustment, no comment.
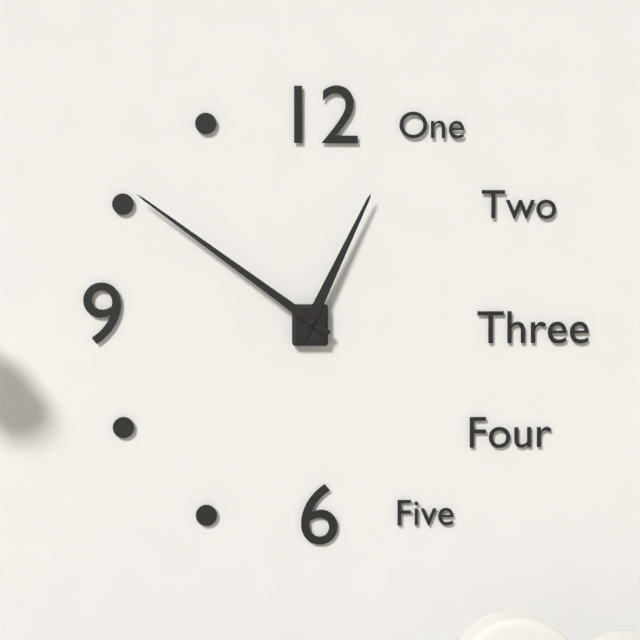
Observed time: 12:51
